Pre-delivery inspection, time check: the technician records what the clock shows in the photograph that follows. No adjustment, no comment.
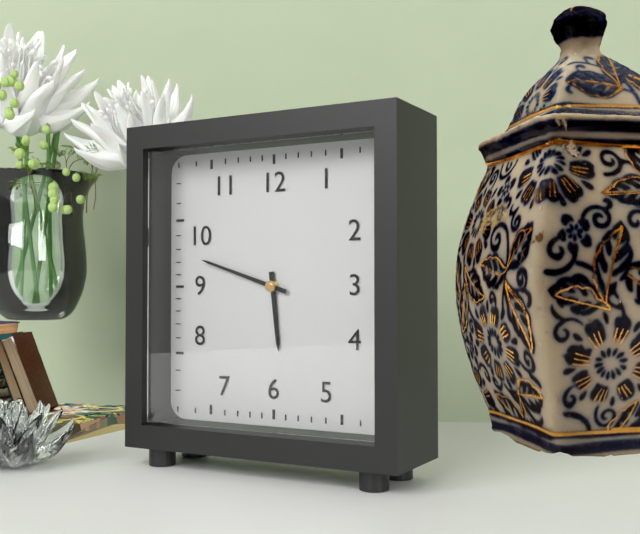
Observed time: 5:48
